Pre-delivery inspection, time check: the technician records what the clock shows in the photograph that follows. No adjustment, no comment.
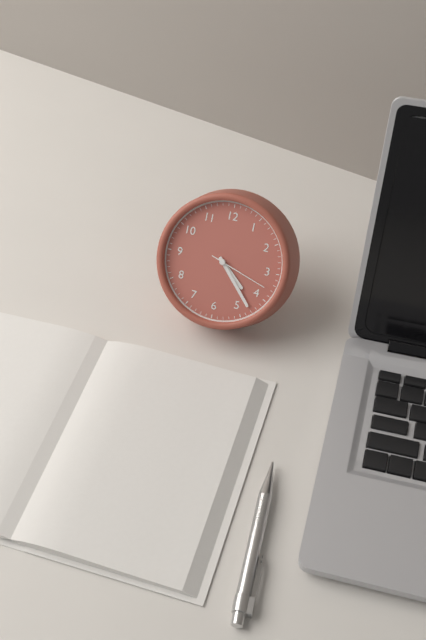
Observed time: 4:23:18
